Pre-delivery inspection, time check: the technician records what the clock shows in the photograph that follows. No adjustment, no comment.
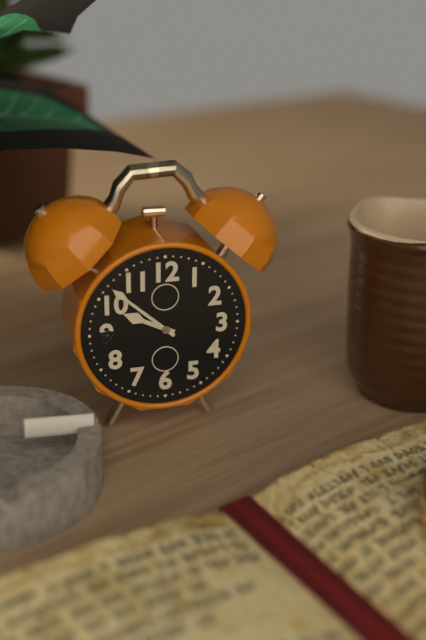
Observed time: 9:52
